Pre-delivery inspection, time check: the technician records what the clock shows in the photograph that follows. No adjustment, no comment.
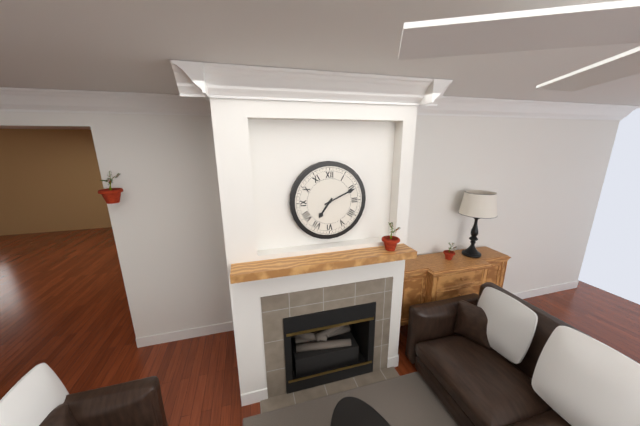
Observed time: 7:11
